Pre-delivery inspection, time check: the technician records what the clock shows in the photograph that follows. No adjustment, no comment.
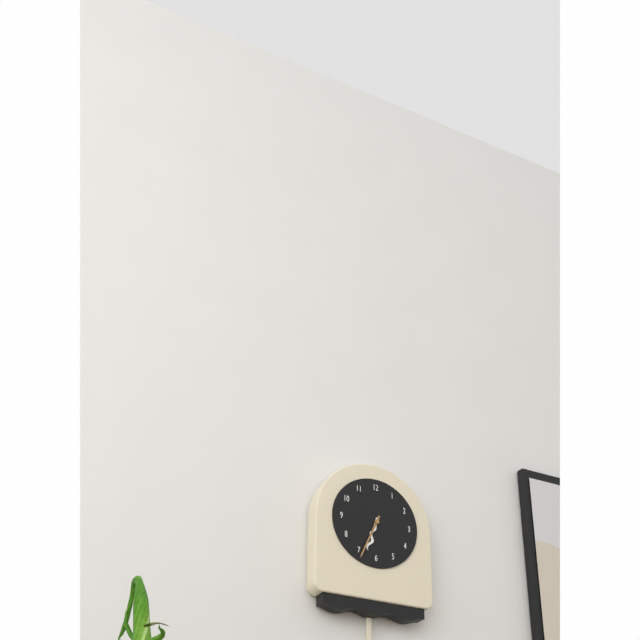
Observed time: 6:34
